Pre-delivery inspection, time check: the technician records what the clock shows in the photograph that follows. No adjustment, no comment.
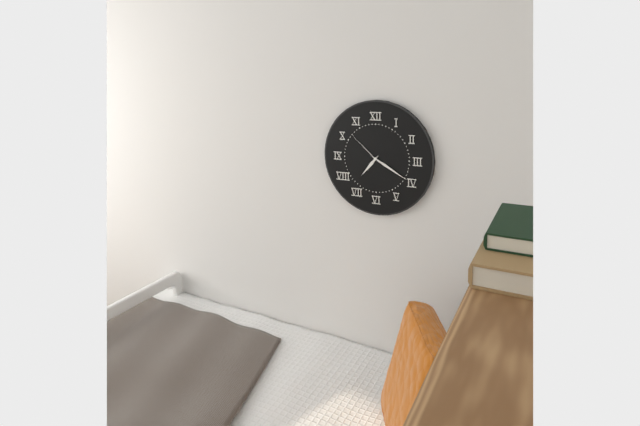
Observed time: 7:20
